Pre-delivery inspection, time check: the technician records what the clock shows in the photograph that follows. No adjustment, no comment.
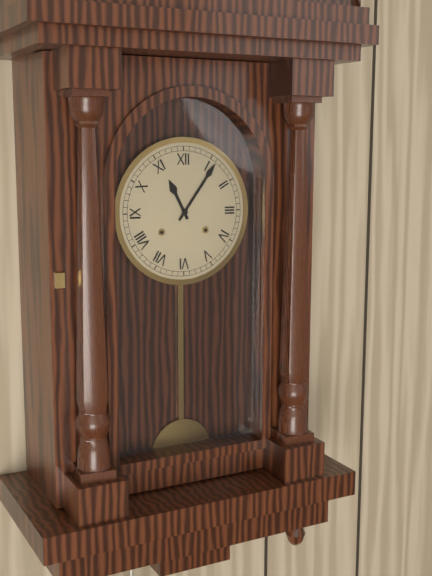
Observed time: 11:06
